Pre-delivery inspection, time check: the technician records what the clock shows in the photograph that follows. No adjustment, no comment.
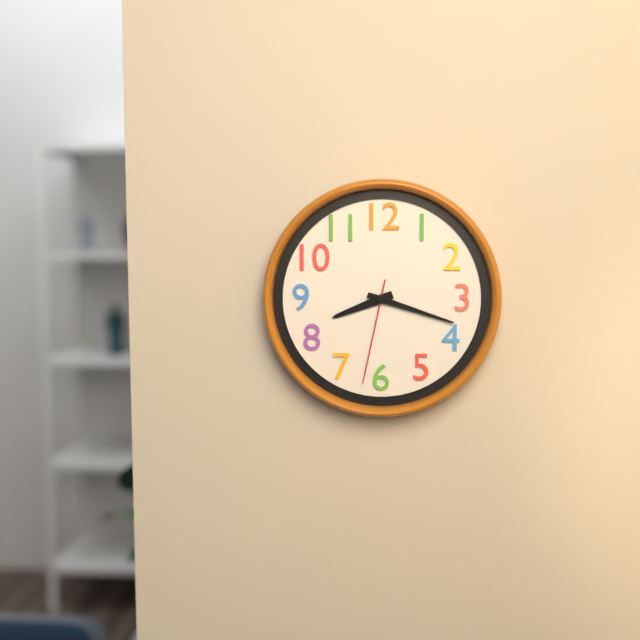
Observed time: 8:18:32
